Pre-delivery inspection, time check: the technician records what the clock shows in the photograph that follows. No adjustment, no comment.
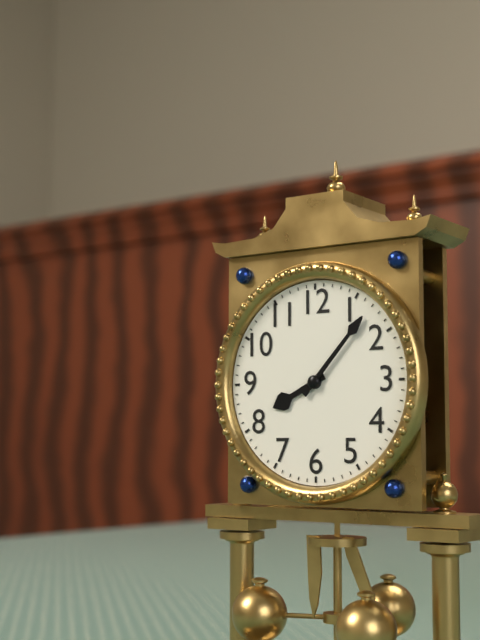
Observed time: 8:07
